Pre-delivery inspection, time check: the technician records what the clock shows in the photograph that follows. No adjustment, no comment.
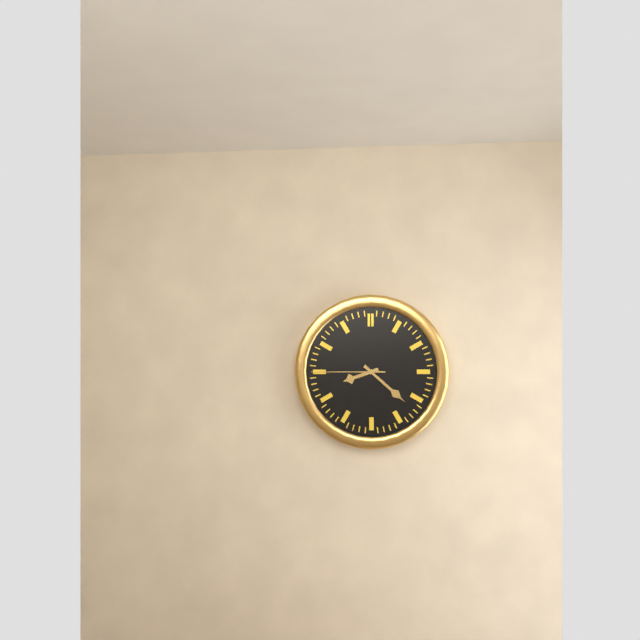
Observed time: 8:22:45
